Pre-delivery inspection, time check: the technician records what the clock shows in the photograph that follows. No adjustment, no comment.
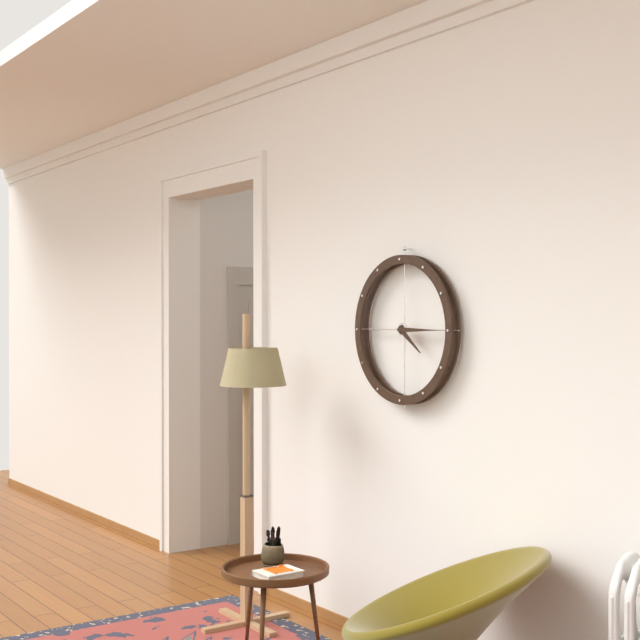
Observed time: 4:15
